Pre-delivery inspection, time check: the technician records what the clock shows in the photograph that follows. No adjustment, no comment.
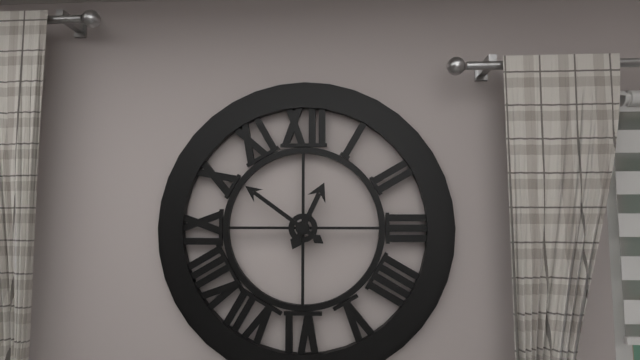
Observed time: 12:51
